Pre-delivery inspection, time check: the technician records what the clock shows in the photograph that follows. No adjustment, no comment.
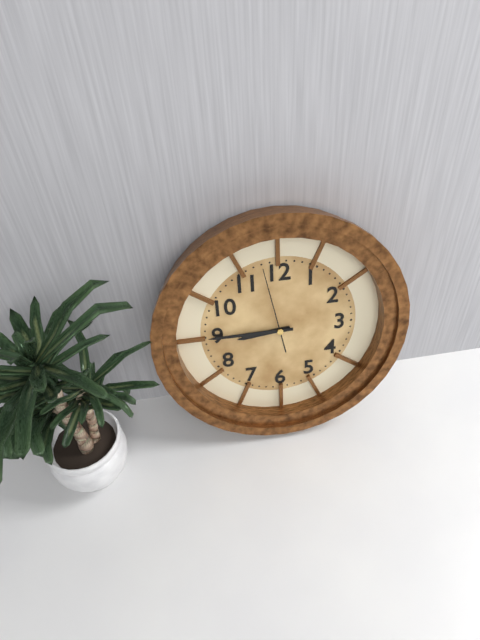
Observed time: 8:45:58
